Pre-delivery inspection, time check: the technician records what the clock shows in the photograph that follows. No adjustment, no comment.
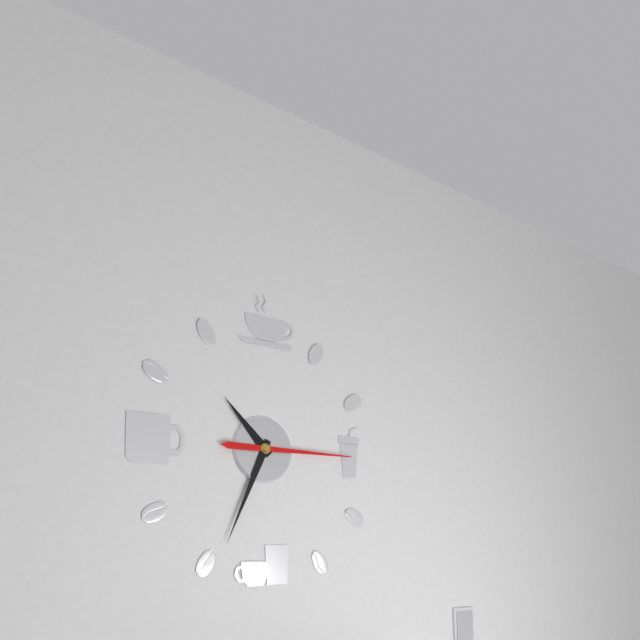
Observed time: 10:34:15
